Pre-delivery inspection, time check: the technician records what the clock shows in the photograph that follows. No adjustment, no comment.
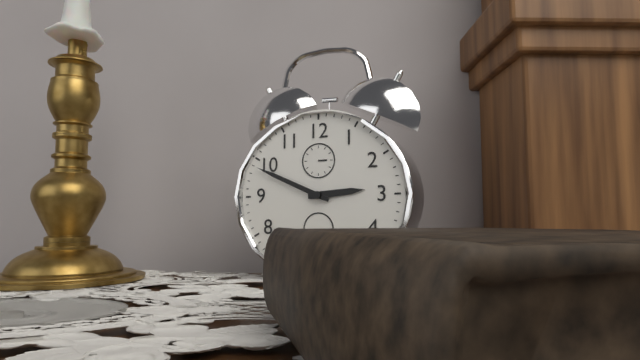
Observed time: 2:49
